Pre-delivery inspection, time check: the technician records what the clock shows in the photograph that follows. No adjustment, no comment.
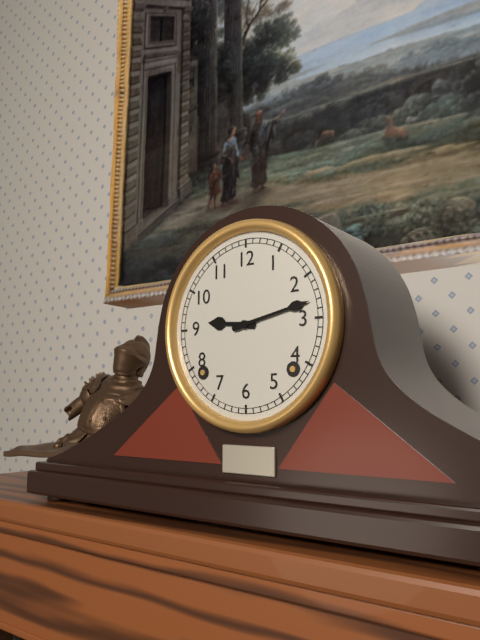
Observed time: 9:13
